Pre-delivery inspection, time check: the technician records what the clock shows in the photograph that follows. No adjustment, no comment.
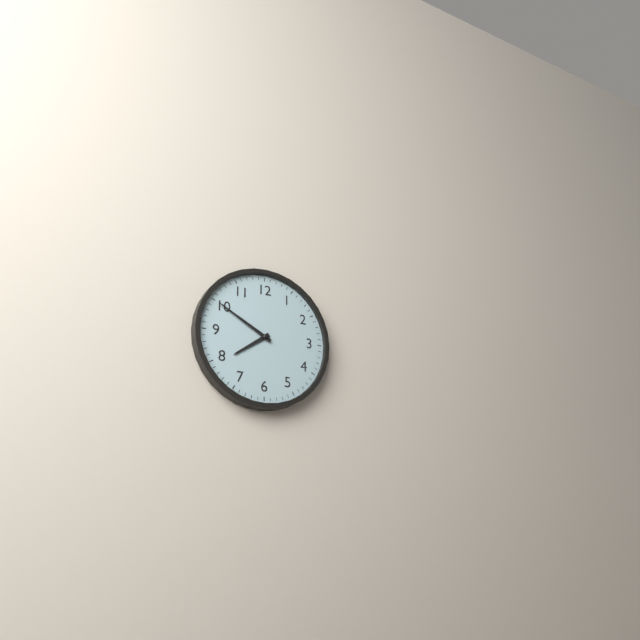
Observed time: 7:50
